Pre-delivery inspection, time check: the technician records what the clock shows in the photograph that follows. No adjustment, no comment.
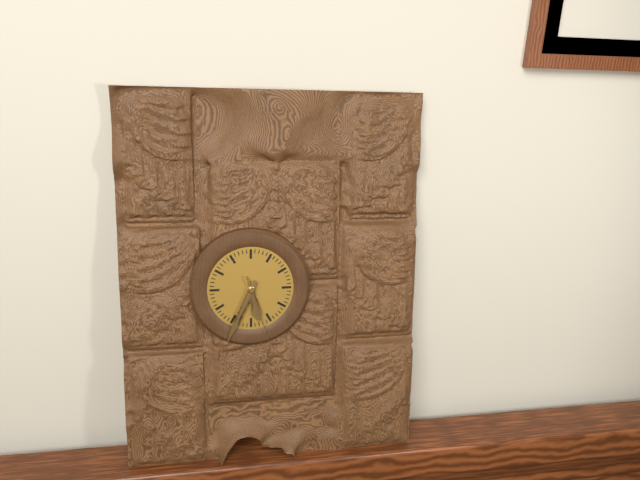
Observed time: 5:34:27
